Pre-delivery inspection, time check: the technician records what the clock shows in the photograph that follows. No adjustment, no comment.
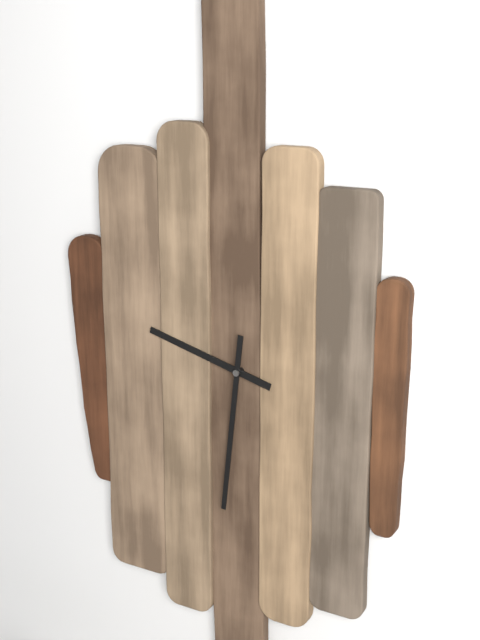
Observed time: 9:31
